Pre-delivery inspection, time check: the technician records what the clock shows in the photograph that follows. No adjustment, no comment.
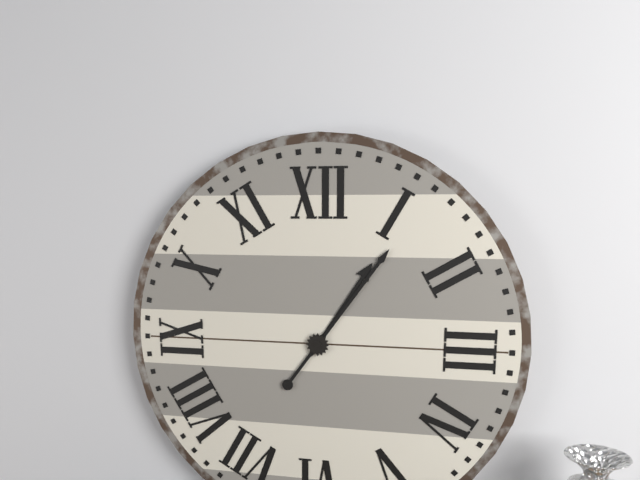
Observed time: 1:06
